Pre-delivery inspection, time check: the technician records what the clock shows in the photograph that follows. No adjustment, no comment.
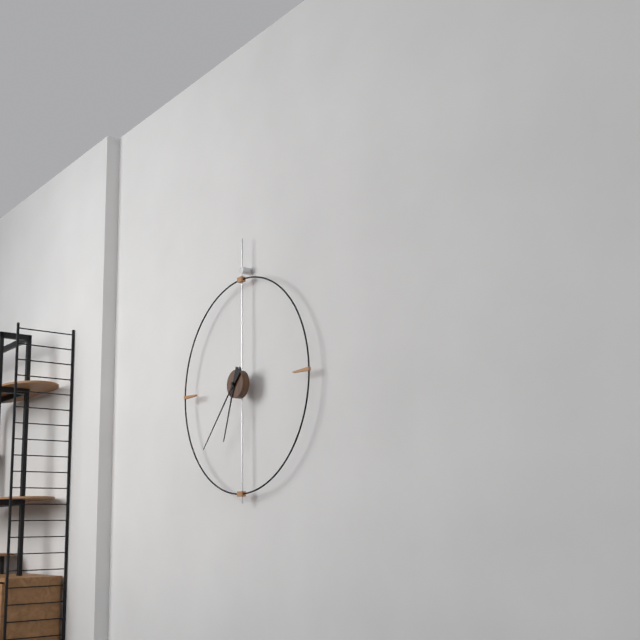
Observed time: 6:37
